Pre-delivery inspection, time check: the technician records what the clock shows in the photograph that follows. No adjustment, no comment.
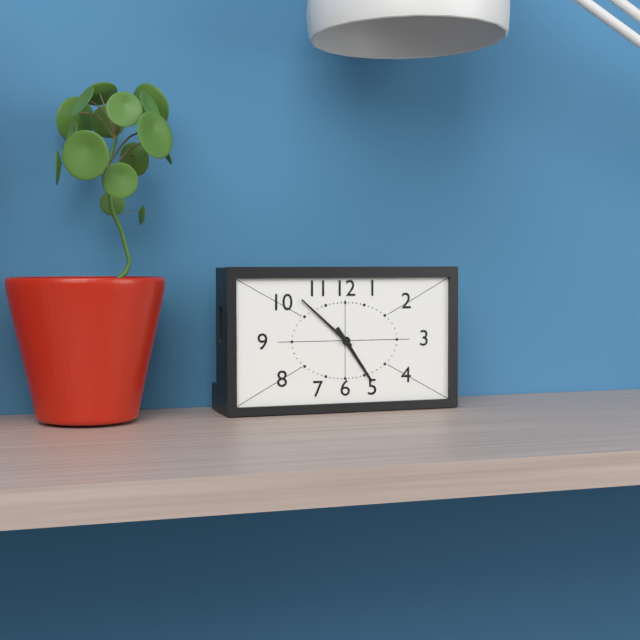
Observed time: 4:52
